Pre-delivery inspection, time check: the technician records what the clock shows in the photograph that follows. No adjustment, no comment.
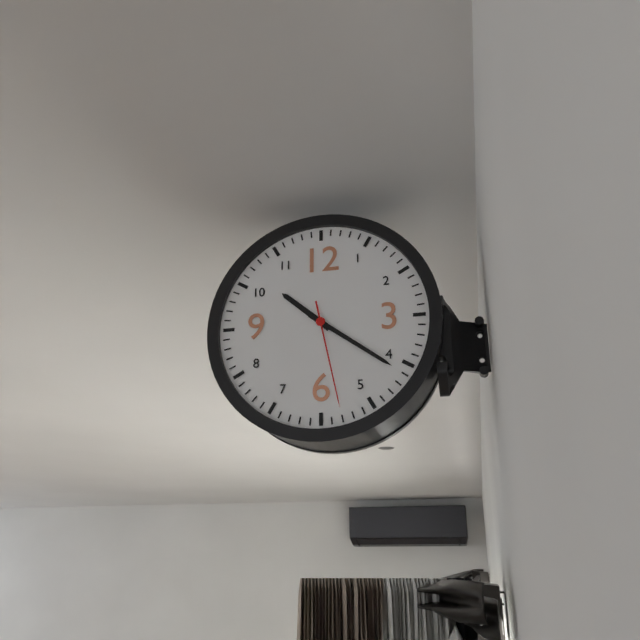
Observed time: 10:21:28
